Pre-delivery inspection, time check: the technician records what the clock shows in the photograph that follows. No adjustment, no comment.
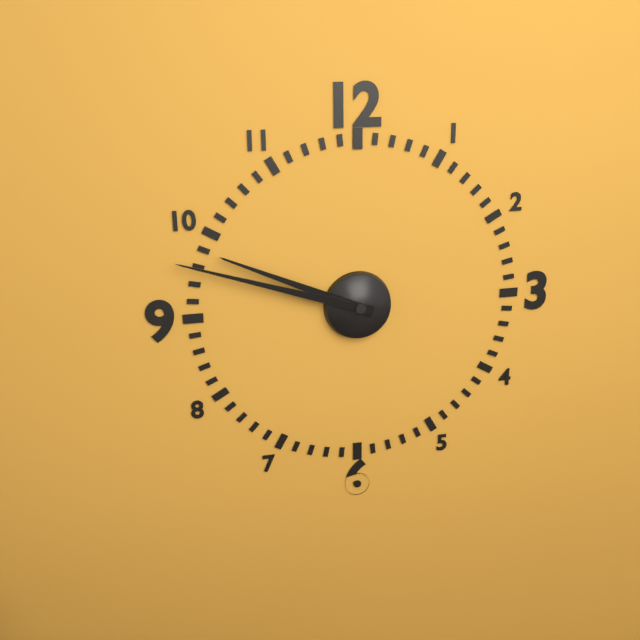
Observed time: 9:48
